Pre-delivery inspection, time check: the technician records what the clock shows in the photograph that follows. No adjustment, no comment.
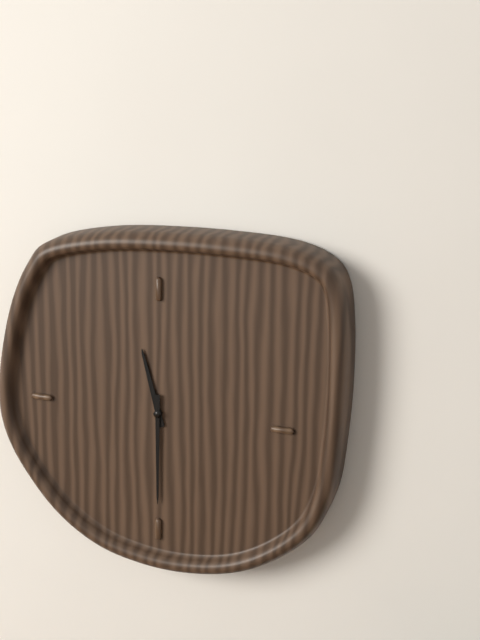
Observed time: 11:30
